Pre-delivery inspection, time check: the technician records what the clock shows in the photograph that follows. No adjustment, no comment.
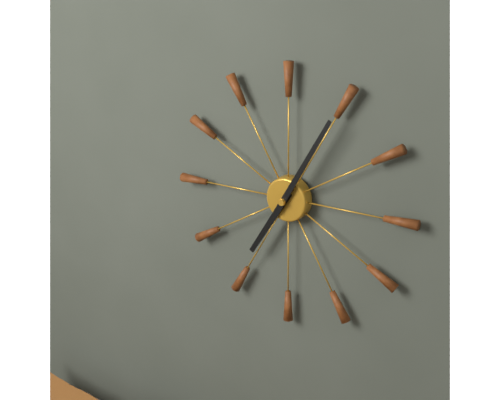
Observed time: 7:05
